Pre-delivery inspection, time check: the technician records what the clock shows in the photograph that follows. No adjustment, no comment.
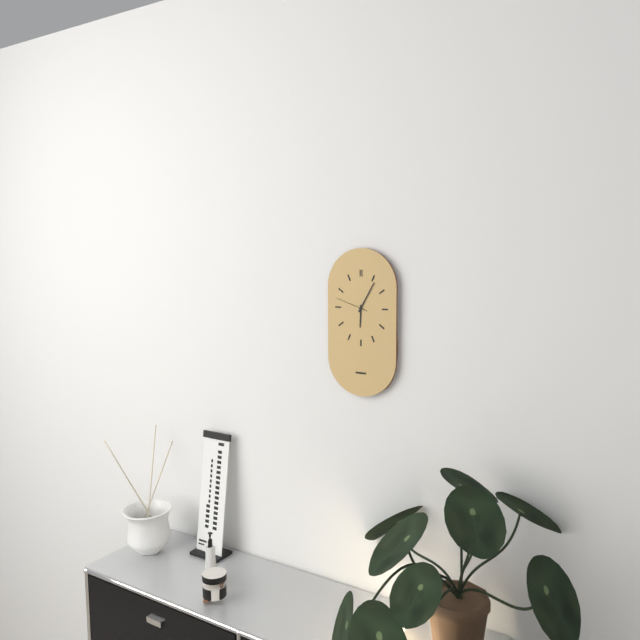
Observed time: 6:05
